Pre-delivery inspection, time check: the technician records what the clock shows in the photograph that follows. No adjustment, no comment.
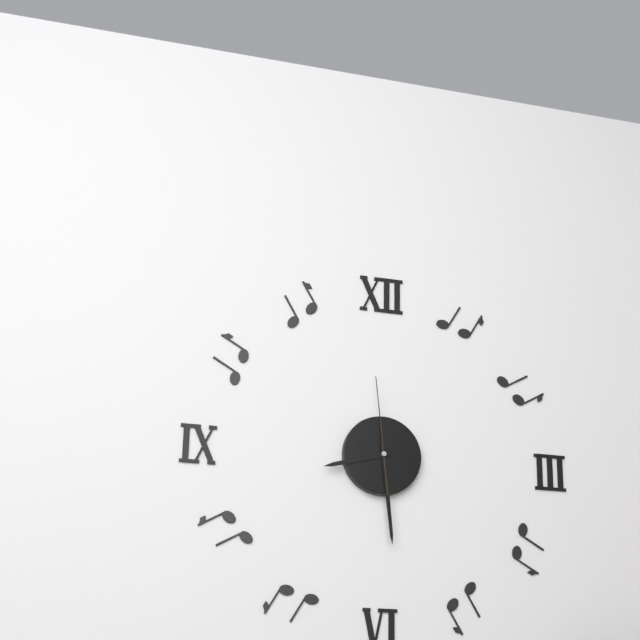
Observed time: 8:29:59
